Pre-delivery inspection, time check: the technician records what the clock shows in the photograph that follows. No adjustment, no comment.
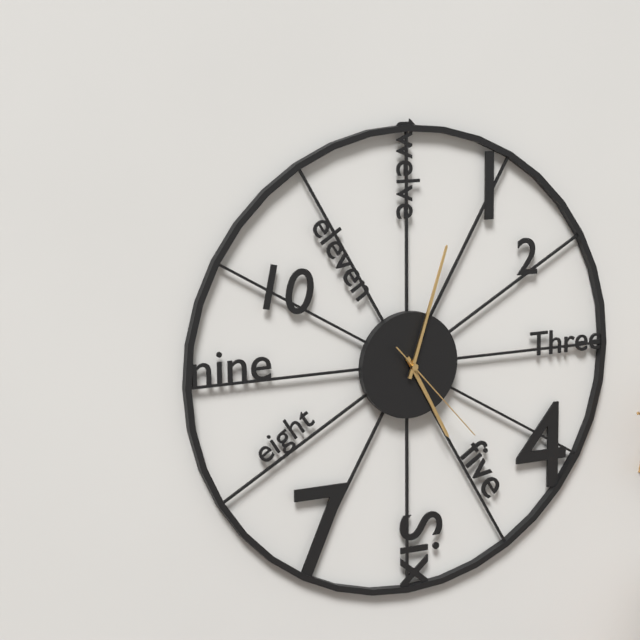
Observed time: 5:03:23
